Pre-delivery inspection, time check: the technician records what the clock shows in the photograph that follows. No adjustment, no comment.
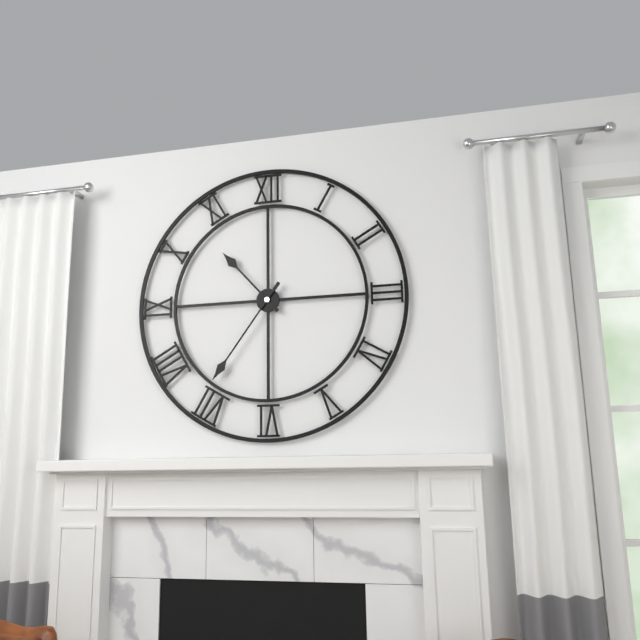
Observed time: 10:36
